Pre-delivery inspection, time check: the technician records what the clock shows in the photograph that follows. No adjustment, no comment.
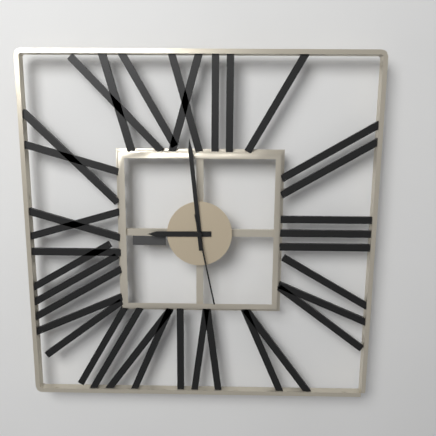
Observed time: 8:59:28
